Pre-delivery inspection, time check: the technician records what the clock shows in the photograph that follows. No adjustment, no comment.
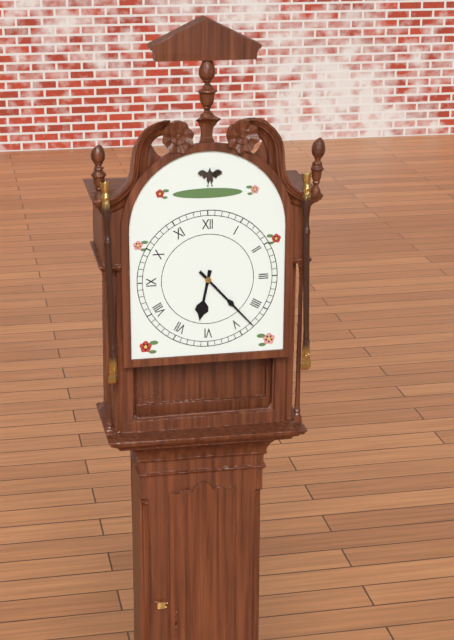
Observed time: 6:23
